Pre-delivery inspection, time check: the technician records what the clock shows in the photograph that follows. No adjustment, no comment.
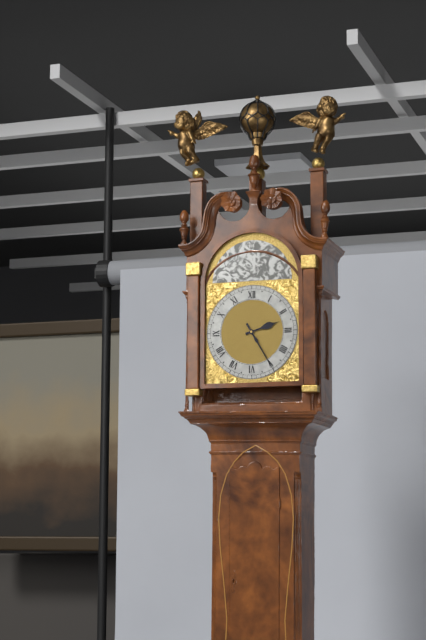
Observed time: 2:25
